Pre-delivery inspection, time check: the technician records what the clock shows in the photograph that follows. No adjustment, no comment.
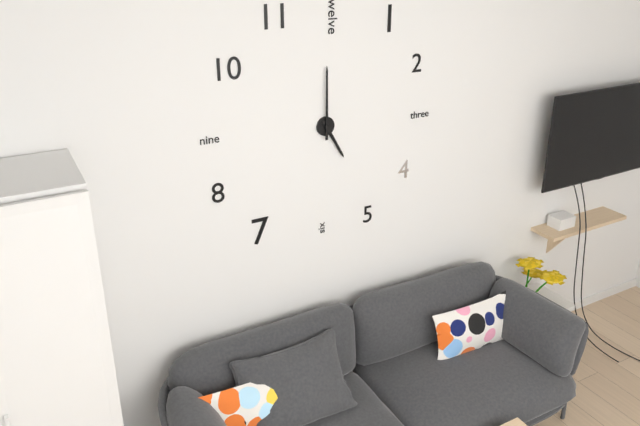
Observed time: 5:00
